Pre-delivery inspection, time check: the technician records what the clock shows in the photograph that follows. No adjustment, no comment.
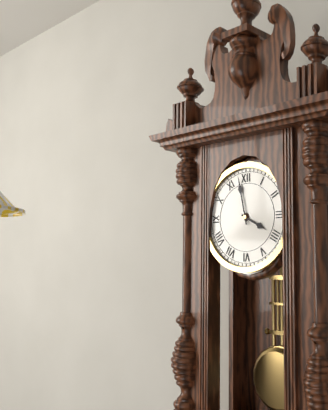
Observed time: 3:58
